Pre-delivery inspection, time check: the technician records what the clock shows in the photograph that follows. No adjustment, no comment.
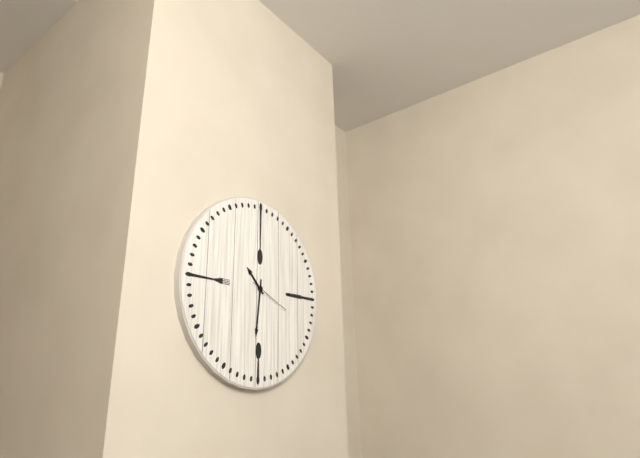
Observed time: 10:31
